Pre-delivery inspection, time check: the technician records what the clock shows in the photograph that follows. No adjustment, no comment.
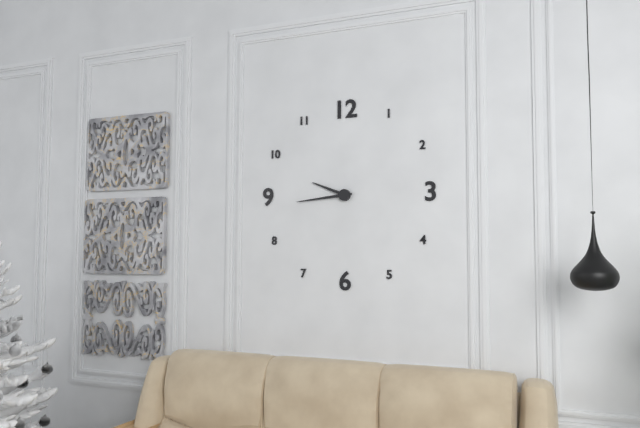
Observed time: 9:44
